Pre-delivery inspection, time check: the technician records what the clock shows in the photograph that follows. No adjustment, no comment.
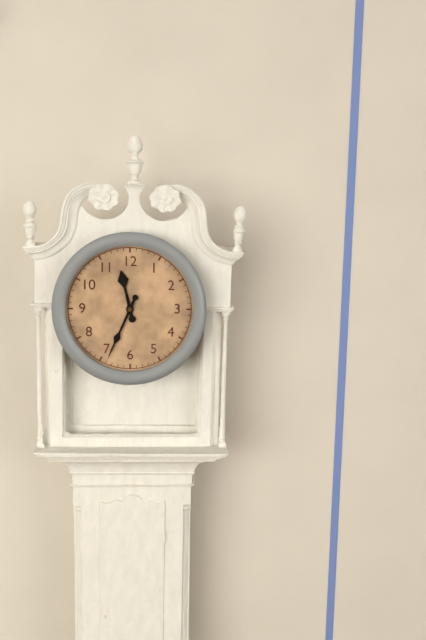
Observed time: 11:34
